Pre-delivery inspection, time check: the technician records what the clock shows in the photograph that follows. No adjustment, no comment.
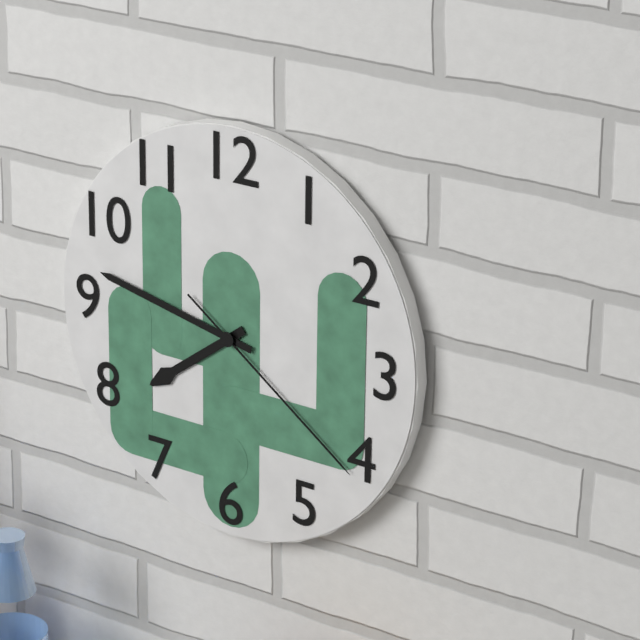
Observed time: 7:47:21
